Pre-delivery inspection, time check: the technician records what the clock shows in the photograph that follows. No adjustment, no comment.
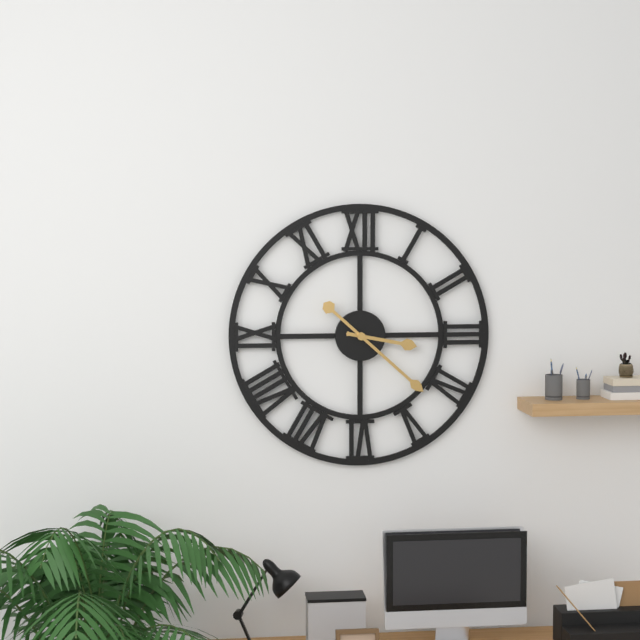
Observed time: 3:22
